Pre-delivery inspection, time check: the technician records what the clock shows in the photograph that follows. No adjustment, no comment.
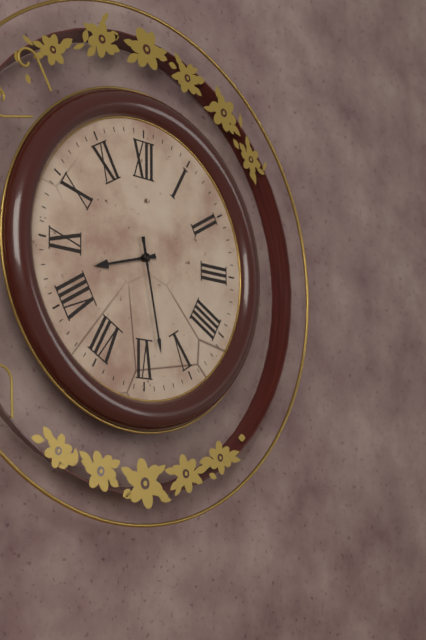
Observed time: 8:28
